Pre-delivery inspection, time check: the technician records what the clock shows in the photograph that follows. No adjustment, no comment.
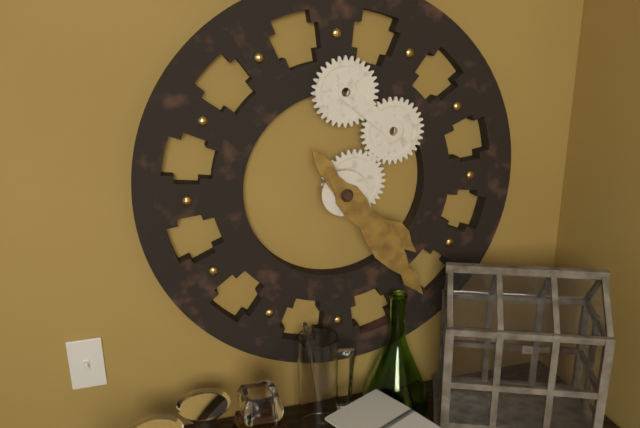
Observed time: 4:24
